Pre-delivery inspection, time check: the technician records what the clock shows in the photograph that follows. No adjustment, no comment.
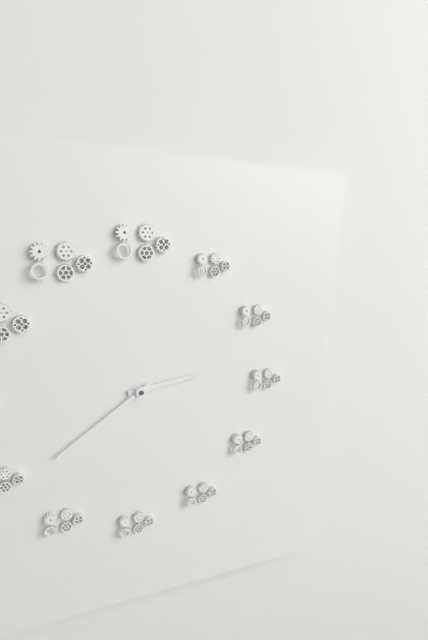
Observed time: 2:39
